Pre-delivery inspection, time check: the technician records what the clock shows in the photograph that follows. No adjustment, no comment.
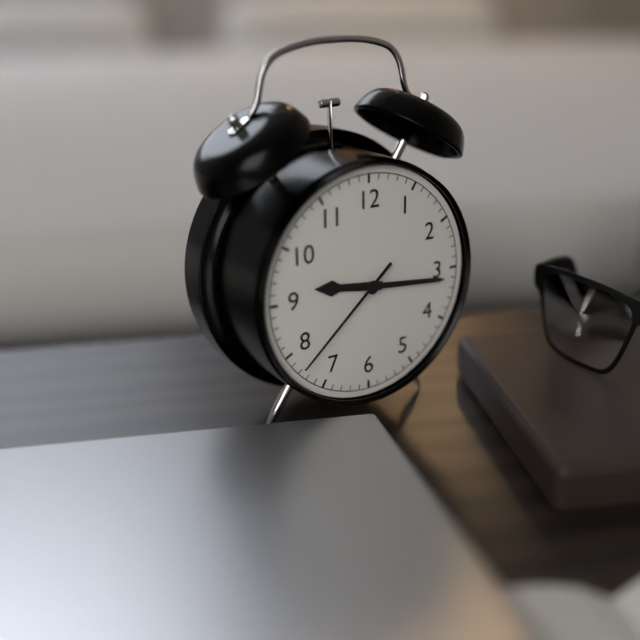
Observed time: 9:16:38
